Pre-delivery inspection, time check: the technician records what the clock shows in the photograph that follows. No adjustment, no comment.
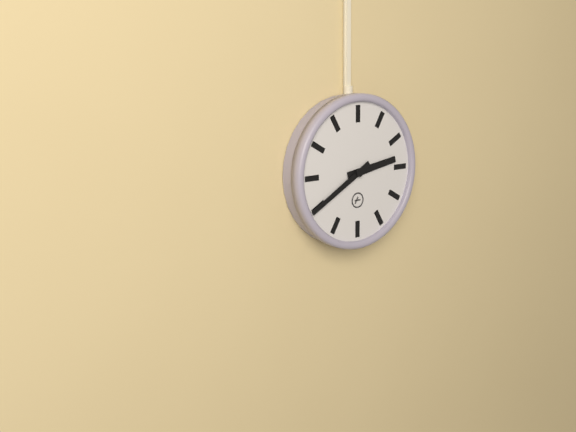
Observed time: 2:40
